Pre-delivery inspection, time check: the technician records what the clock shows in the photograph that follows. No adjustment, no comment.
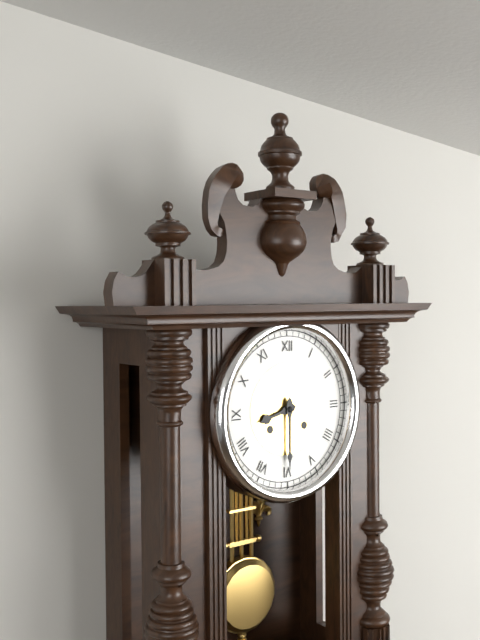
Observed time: 8:30
